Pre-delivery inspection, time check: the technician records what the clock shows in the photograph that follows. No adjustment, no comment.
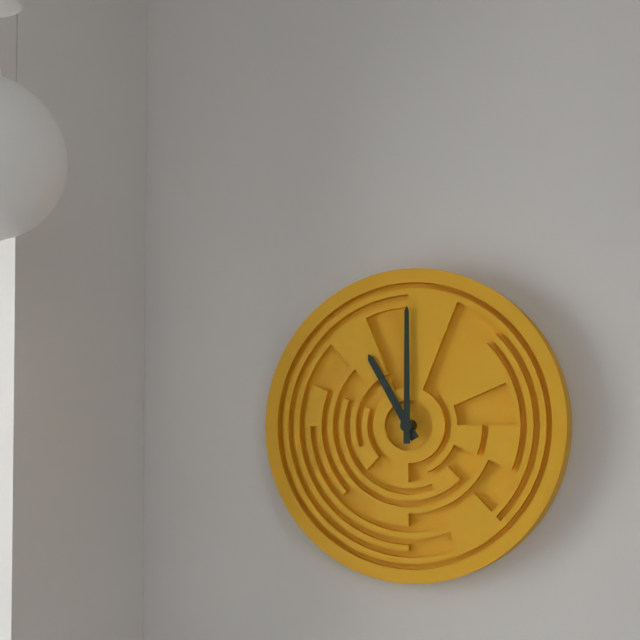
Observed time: 11:00
